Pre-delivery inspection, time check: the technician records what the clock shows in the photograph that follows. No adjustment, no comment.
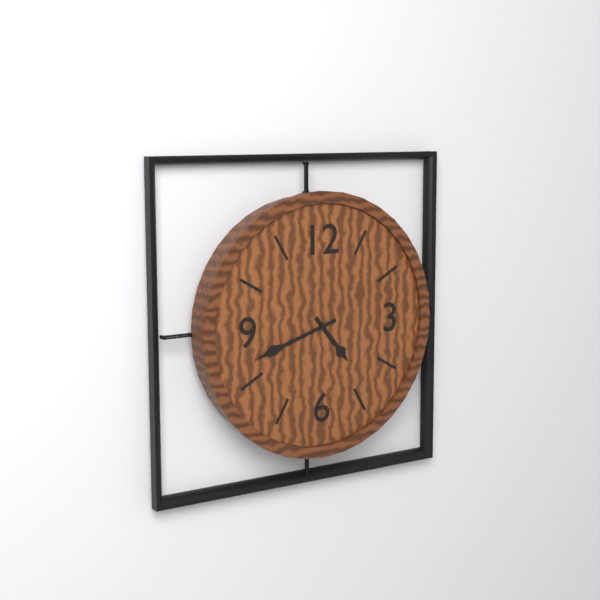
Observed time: 4:42
